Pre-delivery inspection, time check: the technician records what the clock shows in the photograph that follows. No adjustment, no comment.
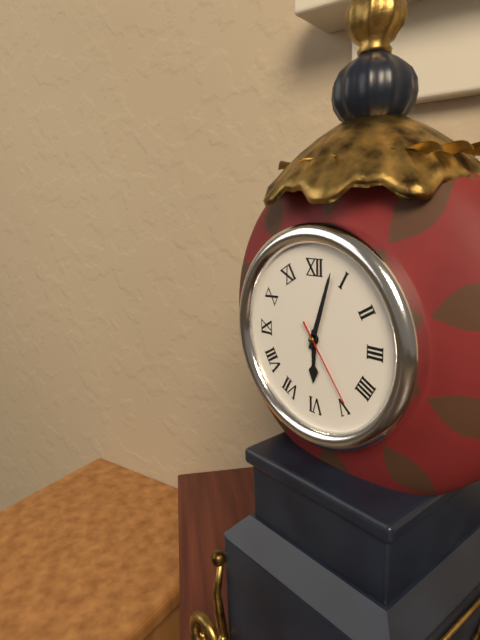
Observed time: 6:03:24
